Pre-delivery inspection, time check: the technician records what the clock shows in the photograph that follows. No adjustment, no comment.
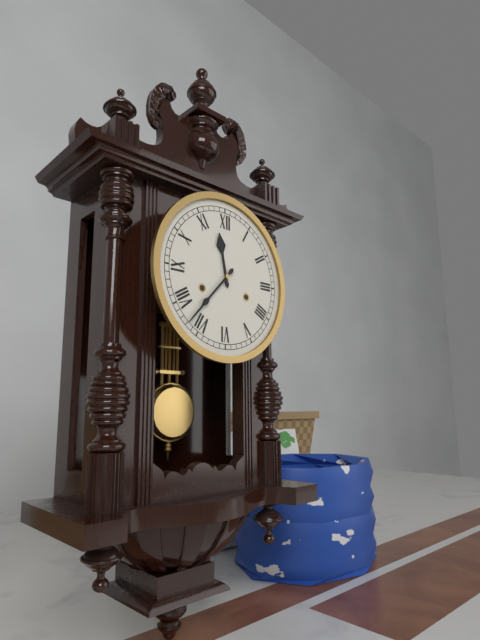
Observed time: 11:37
